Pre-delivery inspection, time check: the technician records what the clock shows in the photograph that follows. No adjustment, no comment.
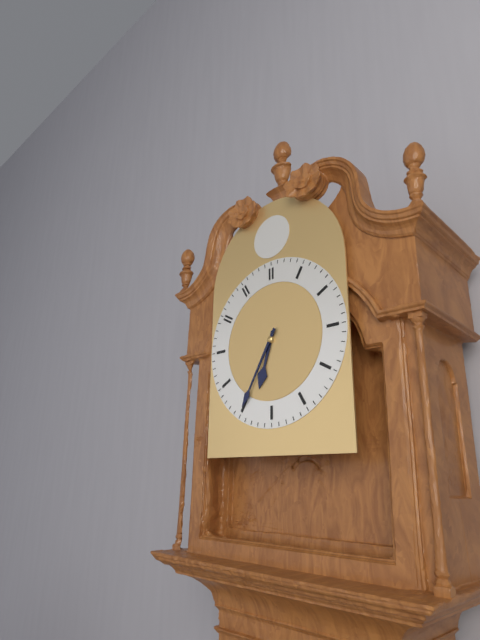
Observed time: 6:35
